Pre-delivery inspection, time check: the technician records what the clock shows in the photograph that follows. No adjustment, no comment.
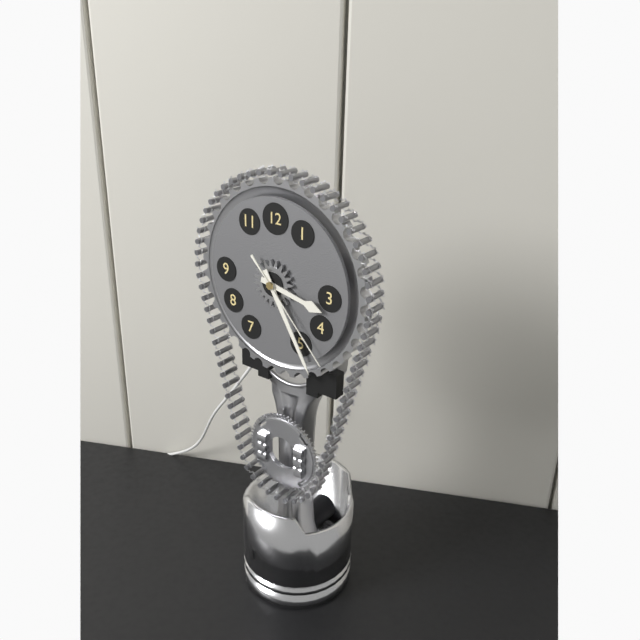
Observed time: 3:25:23
